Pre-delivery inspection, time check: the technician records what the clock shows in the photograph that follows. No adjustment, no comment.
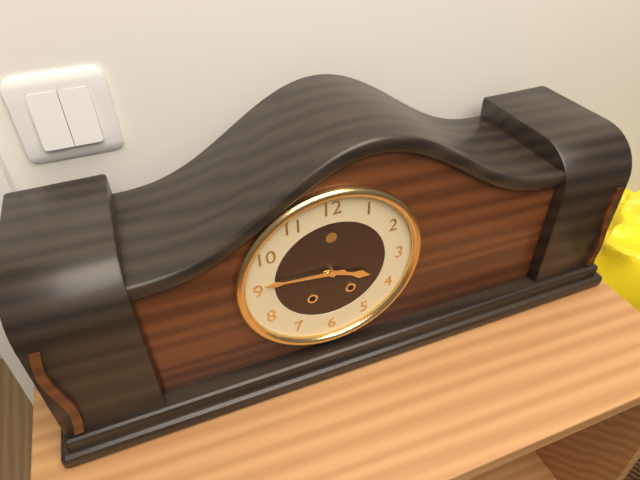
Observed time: 3:46
